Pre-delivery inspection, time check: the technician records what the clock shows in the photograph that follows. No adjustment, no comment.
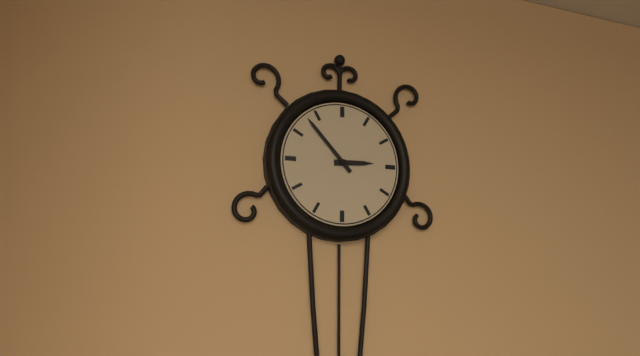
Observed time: 2:53
